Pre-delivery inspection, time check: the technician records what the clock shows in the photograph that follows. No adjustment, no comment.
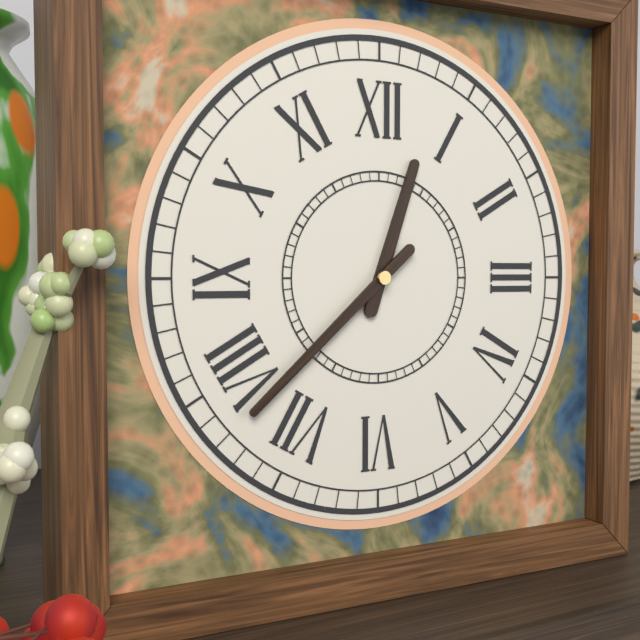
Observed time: 12:38
